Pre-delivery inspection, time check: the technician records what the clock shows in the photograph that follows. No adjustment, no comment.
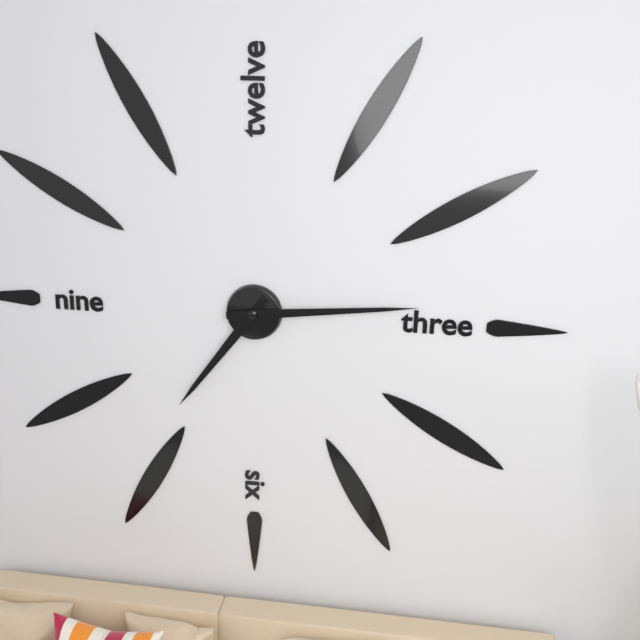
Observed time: 7:14
